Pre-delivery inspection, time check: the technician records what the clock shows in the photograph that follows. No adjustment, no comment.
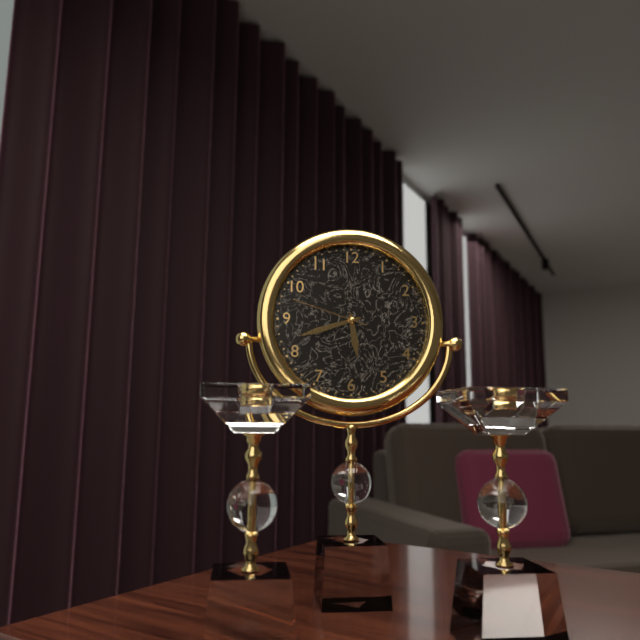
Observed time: 5:42:48
